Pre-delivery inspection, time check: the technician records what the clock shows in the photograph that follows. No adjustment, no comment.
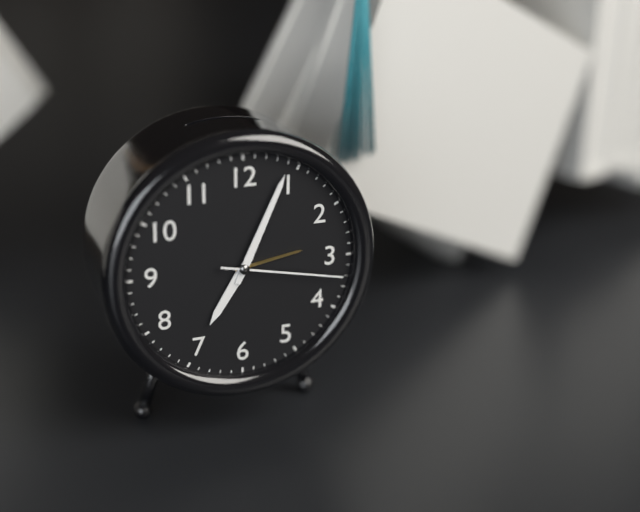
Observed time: 7:04:17
